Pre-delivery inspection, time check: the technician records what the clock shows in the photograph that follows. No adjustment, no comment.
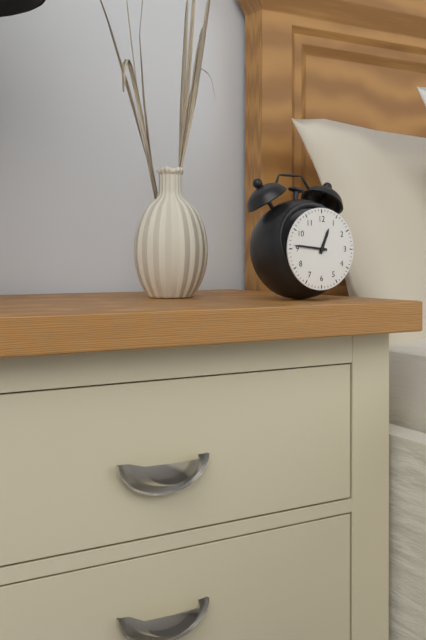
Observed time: 12:46
